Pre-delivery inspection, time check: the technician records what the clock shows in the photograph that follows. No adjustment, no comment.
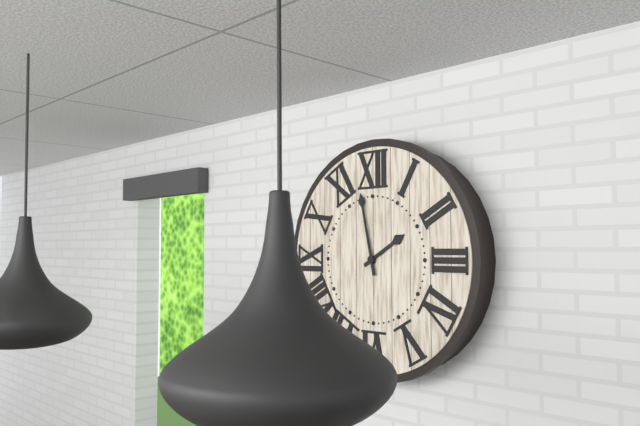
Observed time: 1:58
